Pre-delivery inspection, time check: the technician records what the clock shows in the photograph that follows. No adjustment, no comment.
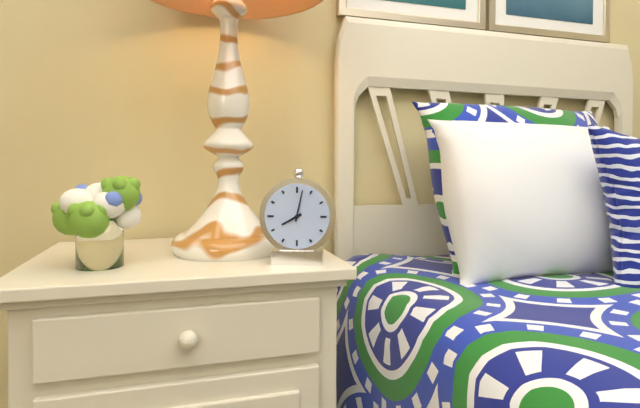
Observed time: 8:02
